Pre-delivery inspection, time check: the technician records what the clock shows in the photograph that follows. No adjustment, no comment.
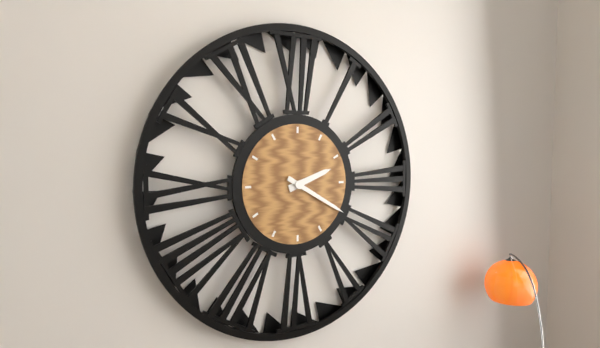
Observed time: 2:20
